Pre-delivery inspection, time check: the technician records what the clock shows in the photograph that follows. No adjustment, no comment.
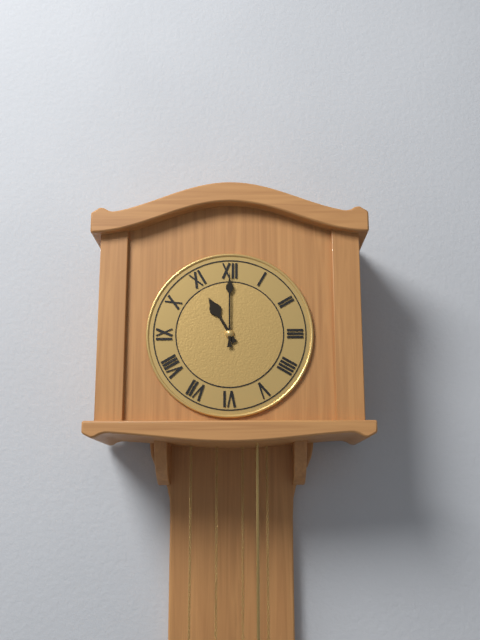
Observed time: 11:00
